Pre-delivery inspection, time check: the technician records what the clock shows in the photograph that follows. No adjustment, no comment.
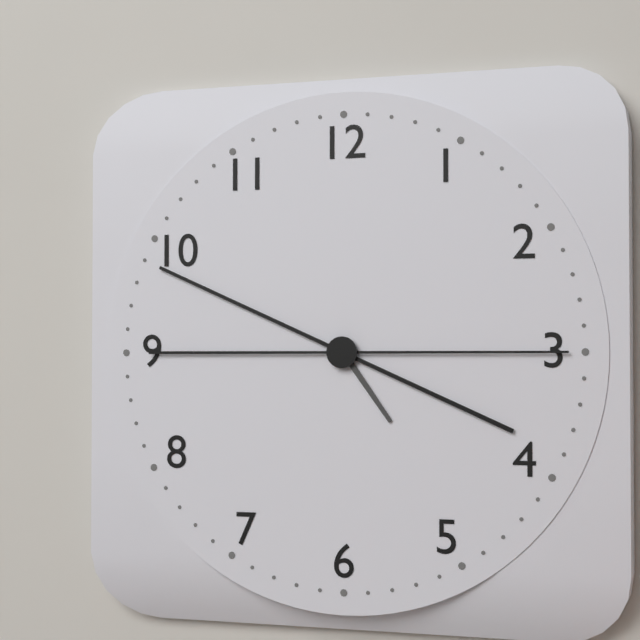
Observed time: 4:49:15
